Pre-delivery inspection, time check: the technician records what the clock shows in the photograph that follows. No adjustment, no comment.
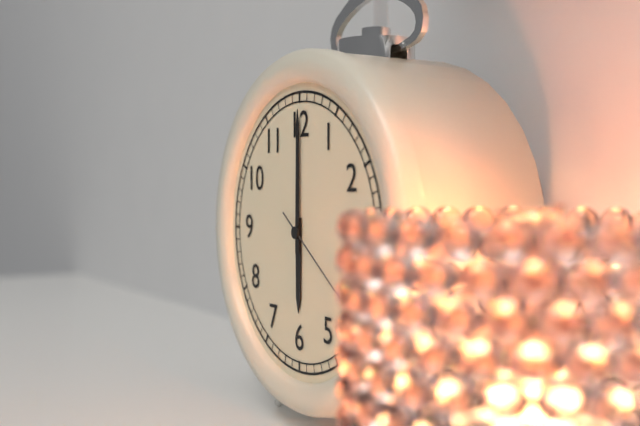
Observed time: 6:00:21
